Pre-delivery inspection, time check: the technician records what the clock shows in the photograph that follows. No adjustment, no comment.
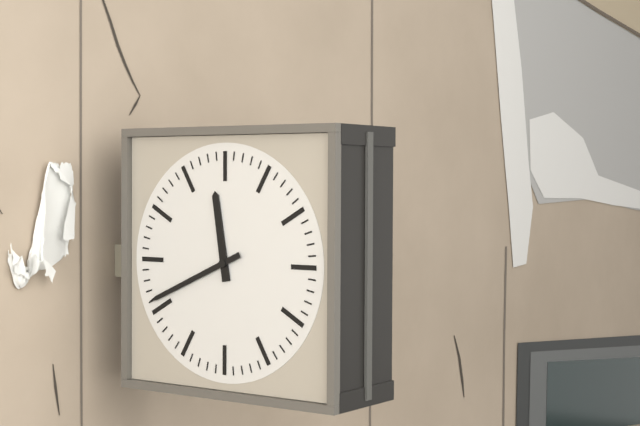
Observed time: 11:41
